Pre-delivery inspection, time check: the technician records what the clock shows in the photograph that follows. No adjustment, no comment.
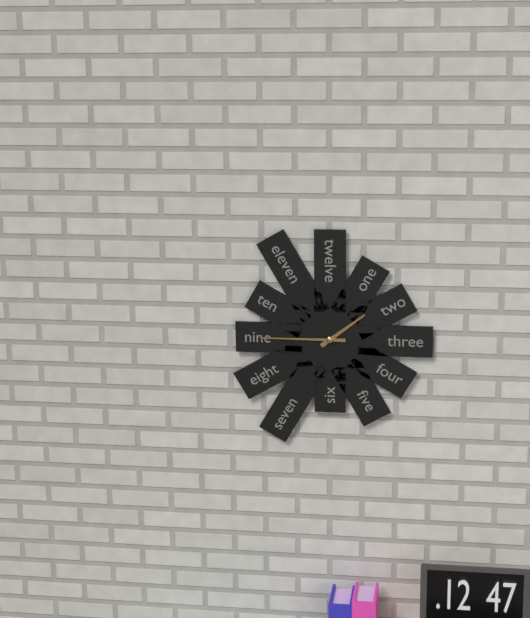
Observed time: 1:45
